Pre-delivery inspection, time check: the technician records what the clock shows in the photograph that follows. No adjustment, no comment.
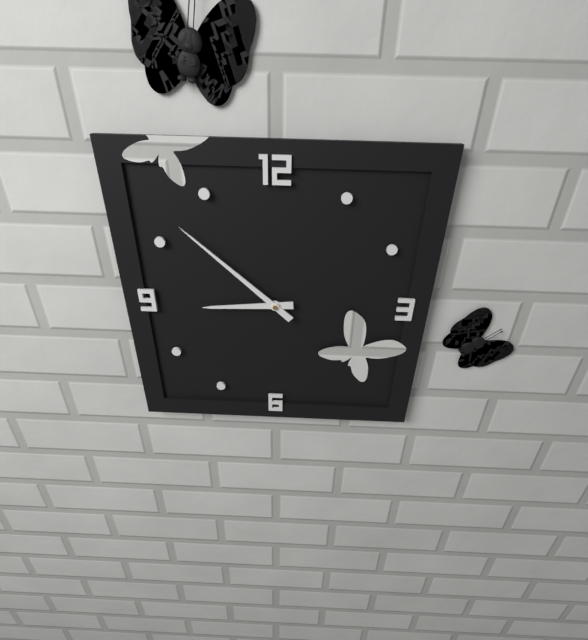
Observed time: 8:52
